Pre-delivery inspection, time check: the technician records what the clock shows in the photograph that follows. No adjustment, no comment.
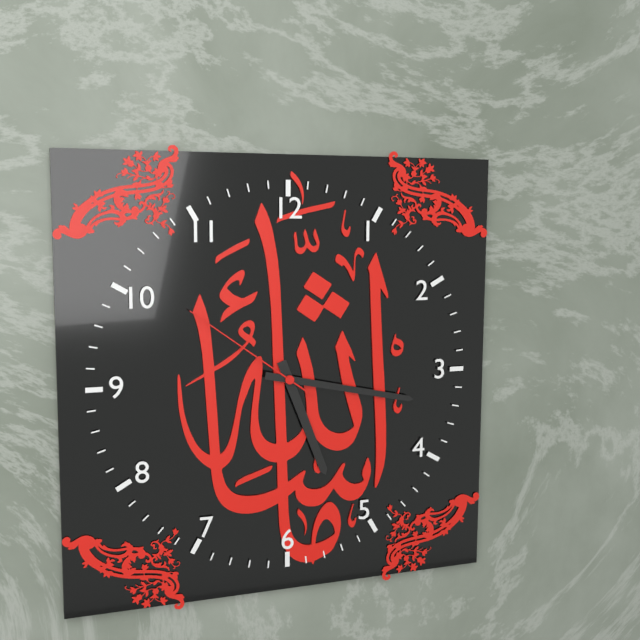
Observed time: 5:17:51
